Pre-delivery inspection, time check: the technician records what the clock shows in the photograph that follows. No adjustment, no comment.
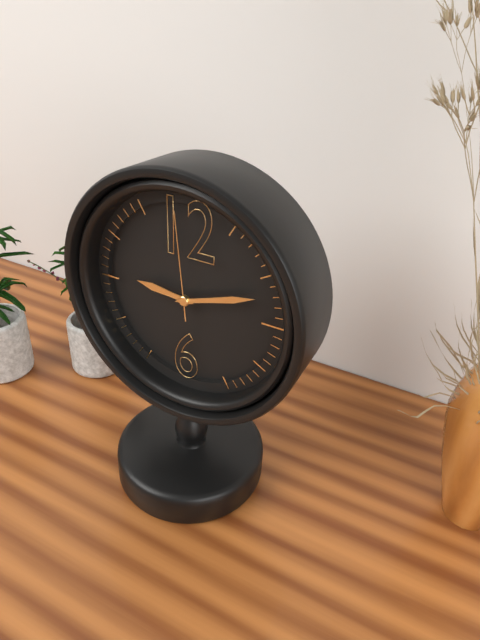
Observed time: 9:12:59
